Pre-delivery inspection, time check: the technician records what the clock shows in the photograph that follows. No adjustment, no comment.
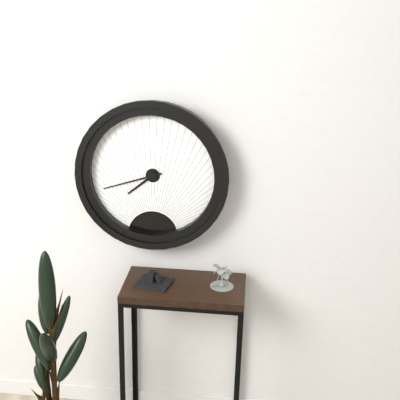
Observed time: 7:42
